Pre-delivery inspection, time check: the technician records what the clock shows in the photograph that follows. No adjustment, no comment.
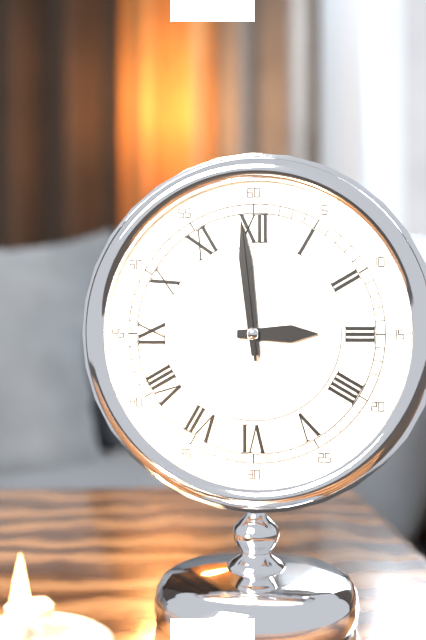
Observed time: 2:59:59
